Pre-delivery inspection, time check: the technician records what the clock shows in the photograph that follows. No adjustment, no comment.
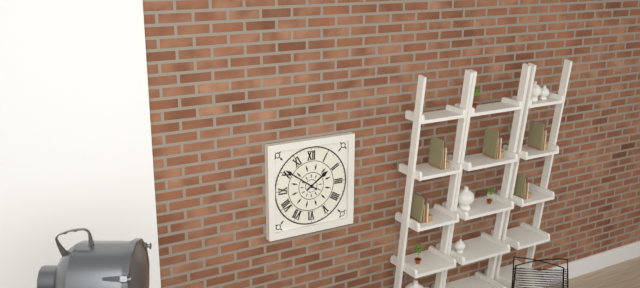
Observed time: 1:51
